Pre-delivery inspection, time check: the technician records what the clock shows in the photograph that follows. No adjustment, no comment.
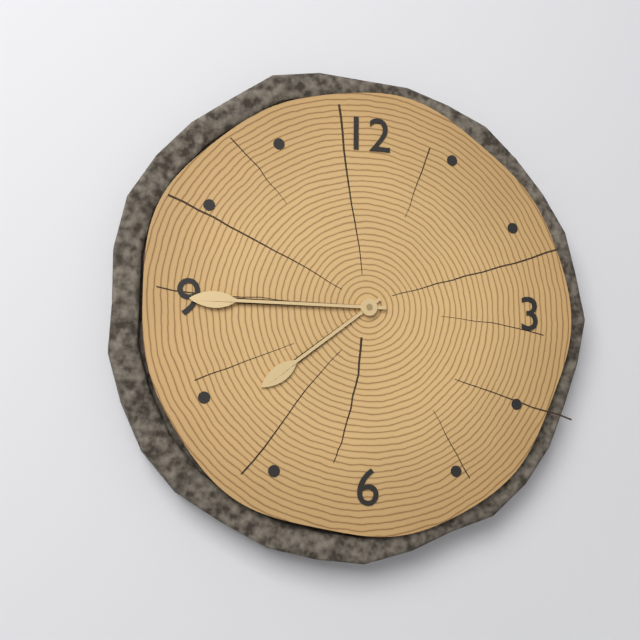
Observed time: 7:45
